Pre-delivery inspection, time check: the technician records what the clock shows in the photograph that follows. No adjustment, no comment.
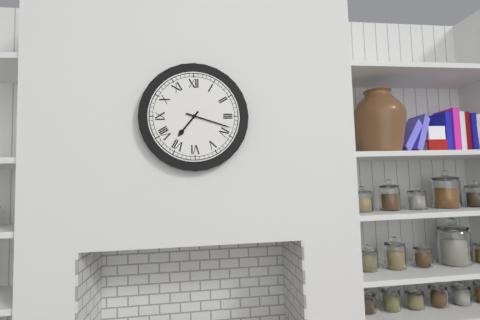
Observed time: 7:18
